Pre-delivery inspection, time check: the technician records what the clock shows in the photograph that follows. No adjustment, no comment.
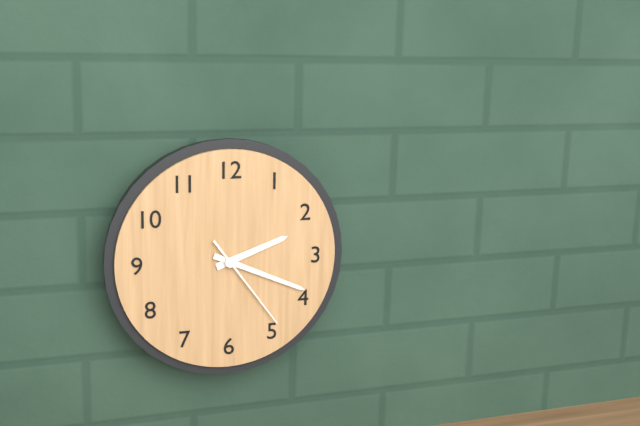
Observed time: 2:19:24
